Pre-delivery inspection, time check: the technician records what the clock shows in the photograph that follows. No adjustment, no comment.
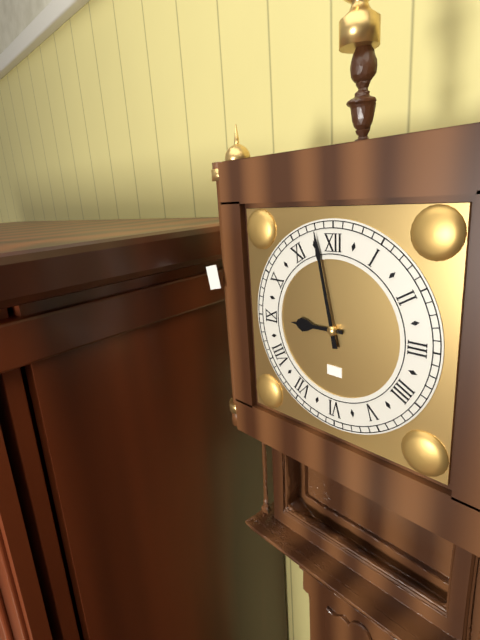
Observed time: 8:58
